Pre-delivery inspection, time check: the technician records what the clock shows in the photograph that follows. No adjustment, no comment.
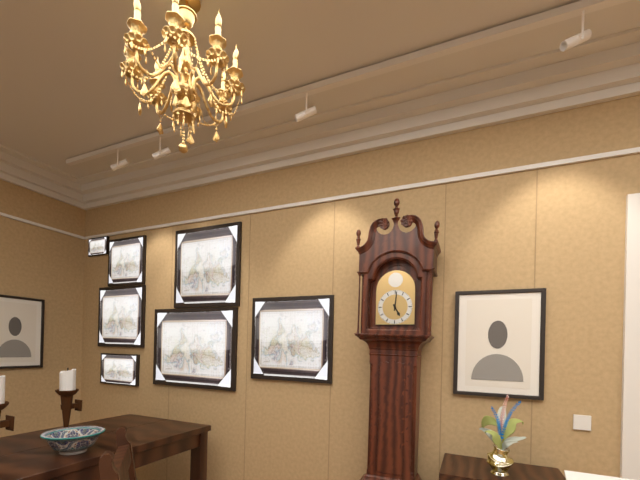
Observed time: 5:01
